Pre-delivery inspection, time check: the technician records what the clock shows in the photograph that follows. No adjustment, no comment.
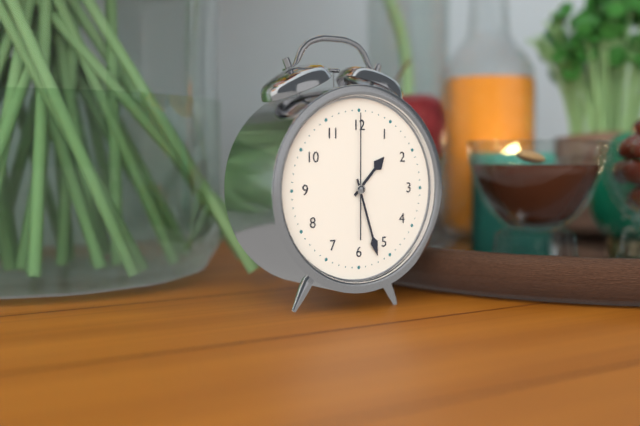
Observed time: 1:27:00
